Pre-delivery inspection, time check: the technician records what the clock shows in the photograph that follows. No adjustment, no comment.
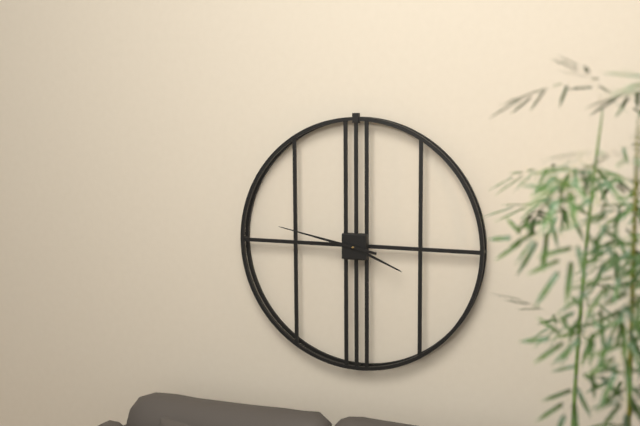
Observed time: 3:47
